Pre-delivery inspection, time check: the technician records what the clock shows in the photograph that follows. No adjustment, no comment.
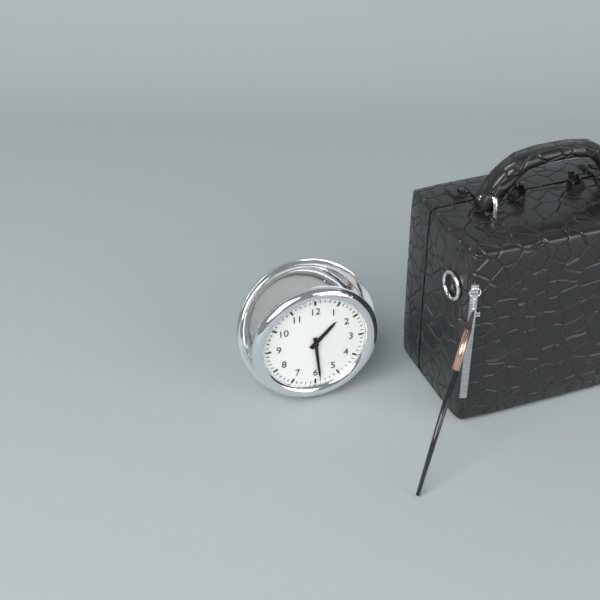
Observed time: 1:29
